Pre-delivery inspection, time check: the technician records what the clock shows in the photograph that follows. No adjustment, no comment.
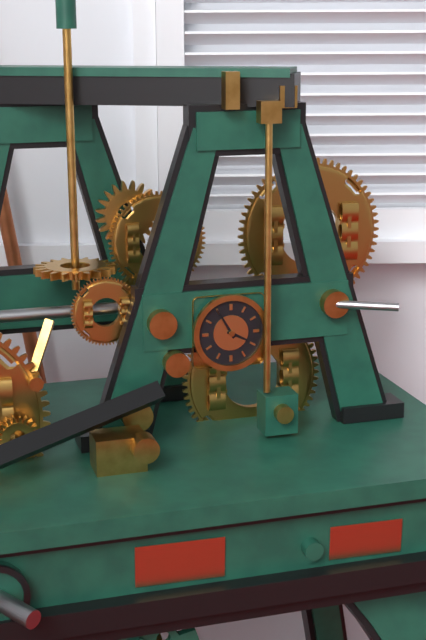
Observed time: 3:55
